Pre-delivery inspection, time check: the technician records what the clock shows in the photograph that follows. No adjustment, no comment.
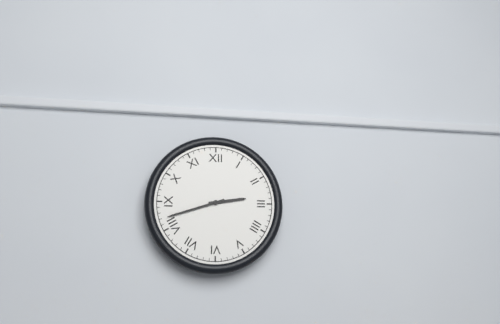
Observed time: 2:42
